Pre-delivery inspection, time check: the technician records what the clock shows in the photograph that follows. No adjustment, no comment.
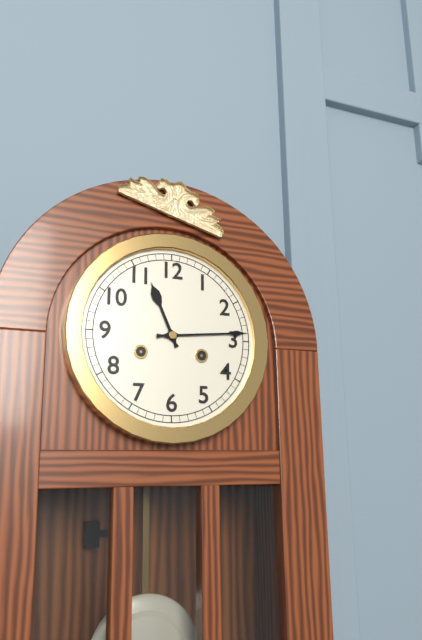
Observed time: 11:14
